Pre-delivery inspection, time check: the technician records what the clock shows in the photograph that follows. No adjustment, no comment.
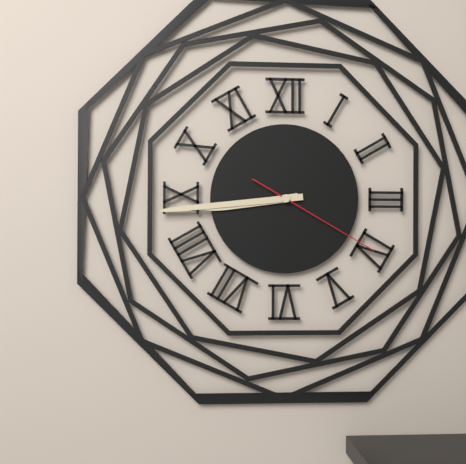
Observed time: 8:44:20
